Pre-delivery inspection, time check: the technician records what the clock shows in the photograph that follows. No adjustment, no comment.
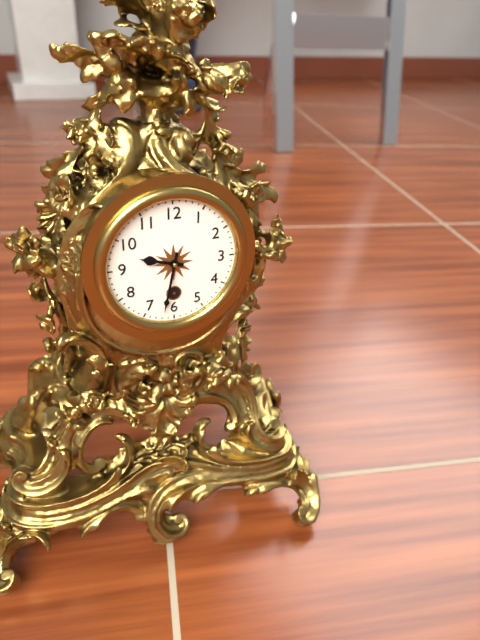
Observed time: 9:32
